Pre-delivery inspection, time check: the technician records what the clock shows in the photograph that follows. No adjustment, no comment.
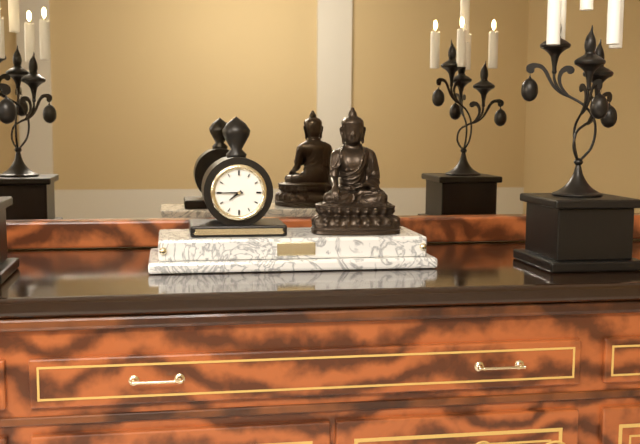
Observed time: 7:45
